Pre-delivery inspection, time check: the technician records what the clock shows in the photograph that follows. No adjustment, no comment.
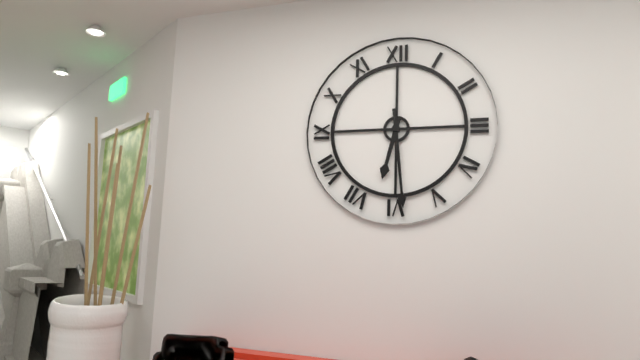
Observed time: 6:29
